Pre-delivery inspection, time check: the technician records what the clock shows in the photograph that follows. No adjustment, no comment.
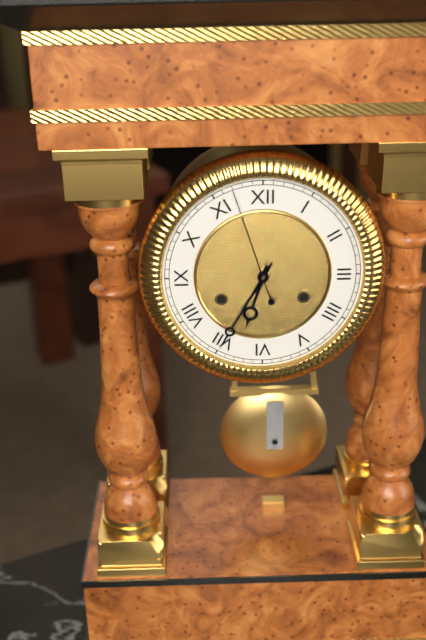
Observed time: 6:35:57
